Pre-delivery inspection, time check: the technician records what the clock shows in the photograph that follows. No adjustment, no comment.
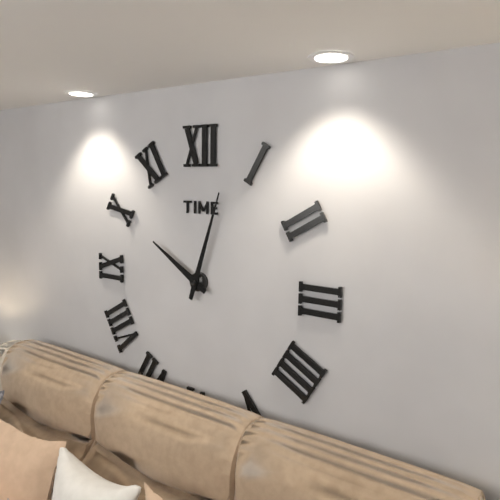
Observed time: 10:03
